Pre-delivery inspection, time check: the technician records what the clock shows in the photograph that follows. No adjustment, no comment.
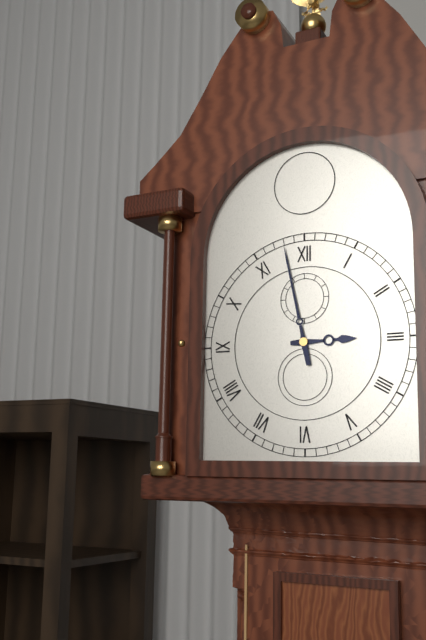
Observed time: 2:58
